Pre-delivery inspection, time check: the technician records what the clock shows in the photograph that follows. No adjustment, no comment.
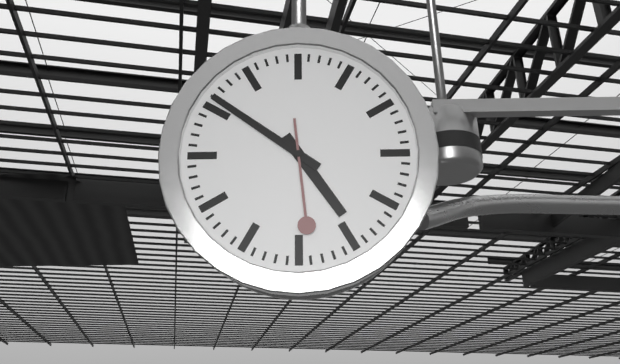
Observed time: 4:51:29
